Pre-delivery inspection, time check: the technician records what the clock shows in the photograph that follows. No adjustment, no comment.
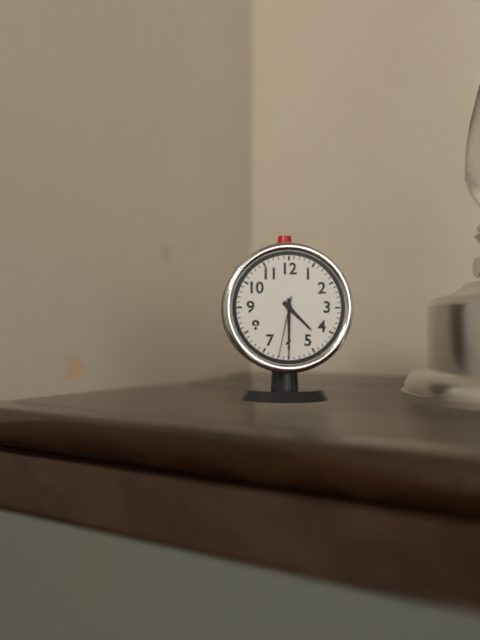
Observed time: 4:30:32
